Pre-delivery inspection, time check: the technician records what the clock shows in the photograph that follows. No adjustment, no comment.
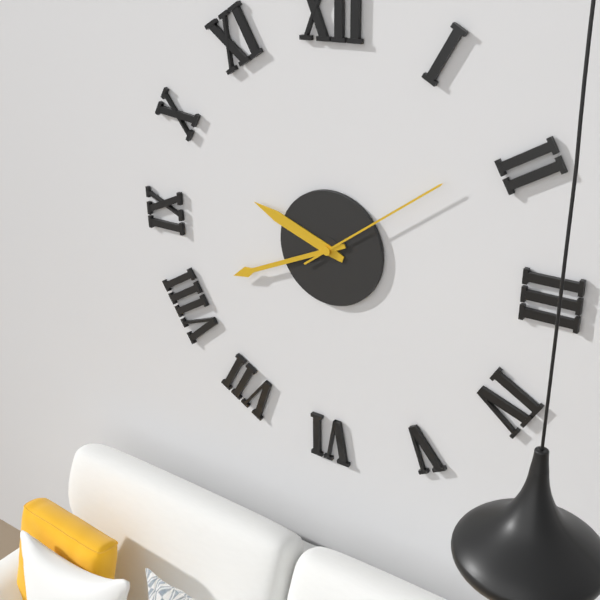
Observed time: 9:41:09
